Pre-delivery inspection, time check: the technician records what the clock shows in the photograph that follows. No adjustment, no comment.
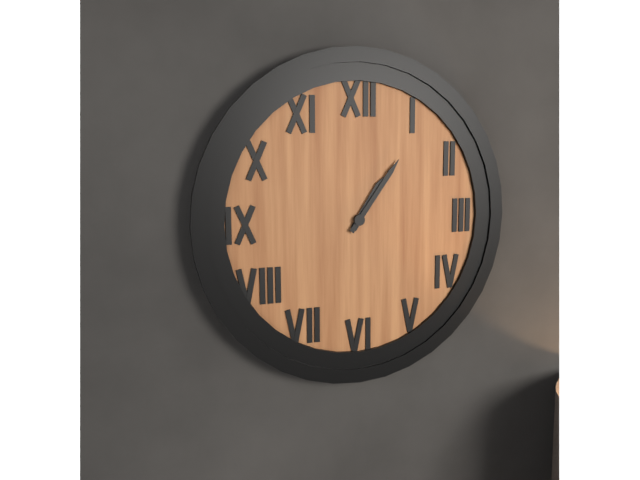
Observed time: 1:06
